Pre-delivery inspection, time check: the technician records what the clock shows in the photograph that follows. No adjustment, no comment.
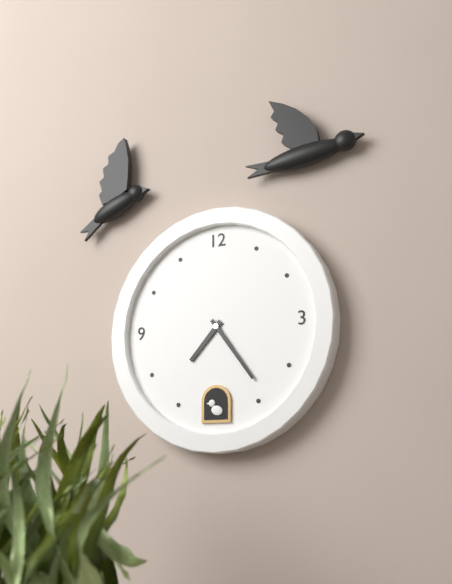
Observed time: 7:24
